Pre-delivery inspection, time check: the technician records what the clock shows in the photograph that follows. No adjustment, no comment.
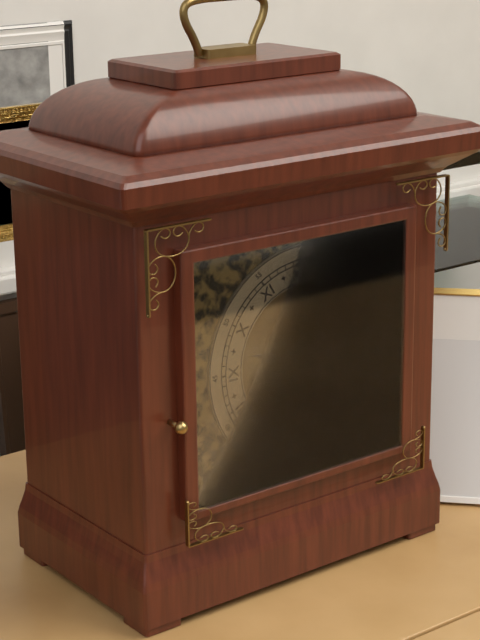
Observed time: 9:25
